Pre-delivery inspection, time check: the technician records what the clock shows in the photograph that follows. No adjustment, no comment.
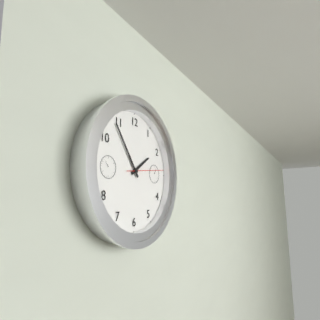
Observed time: 1:54
